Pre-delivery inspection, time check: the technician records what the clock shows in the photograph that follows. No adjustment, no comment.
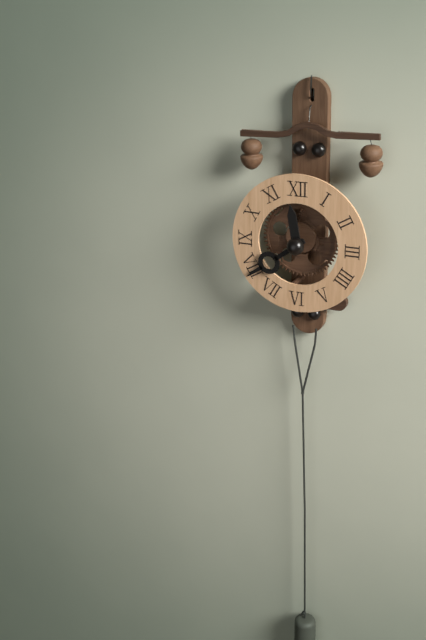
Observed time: 11:39
